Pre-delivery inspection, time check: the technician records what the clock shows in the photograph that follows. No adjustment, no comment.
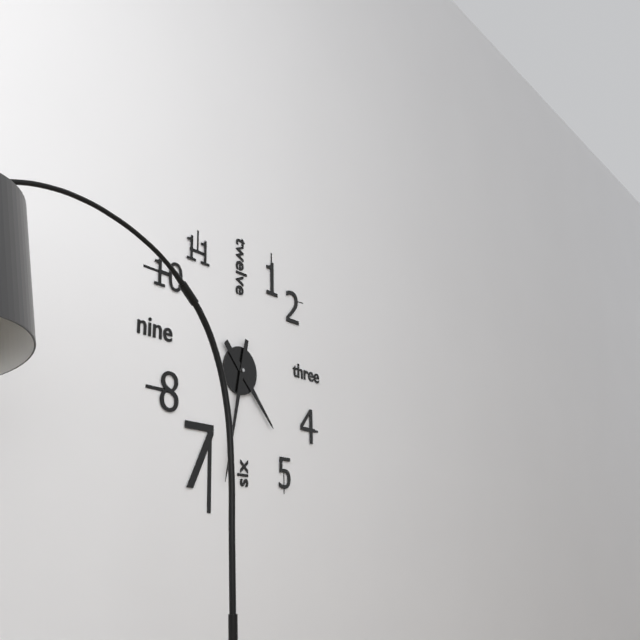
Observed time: 4:32
